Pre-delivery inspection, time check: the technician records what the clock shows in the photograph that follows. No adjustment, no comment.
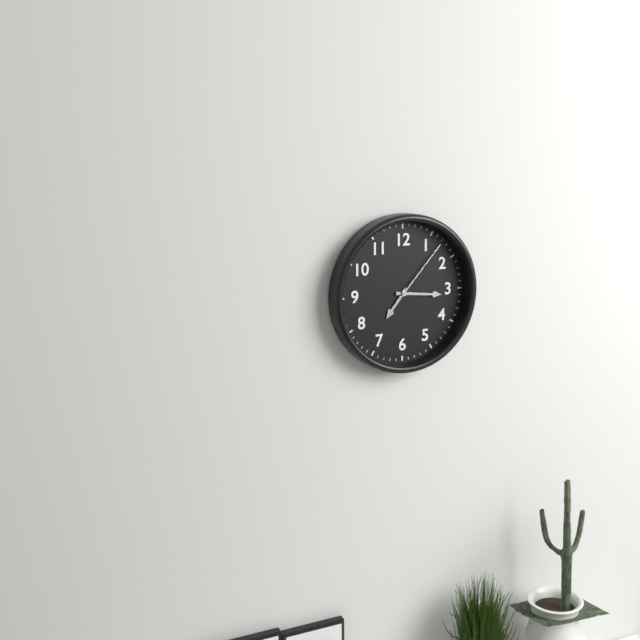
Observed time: 7:16:07
